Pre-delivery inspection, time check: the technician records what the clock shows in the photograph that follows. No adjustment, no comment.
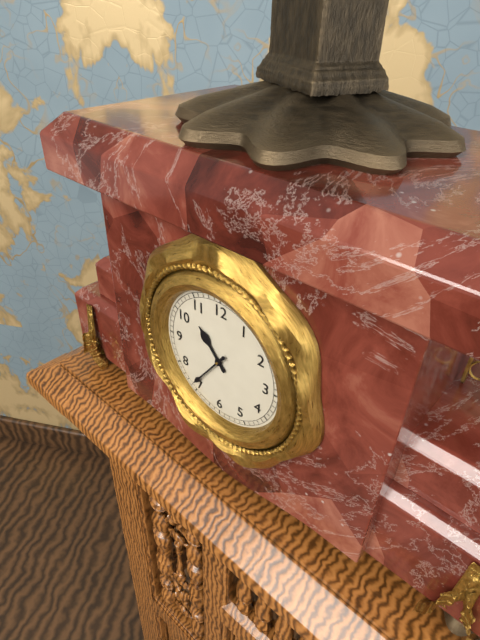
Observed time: 10:36
